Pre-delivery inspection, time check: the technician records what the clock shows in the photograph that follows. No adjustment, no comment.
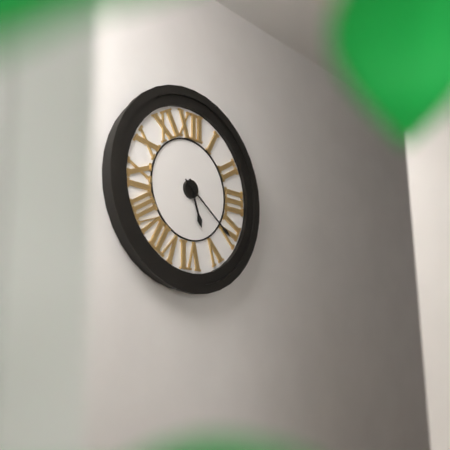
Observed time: 5:21
